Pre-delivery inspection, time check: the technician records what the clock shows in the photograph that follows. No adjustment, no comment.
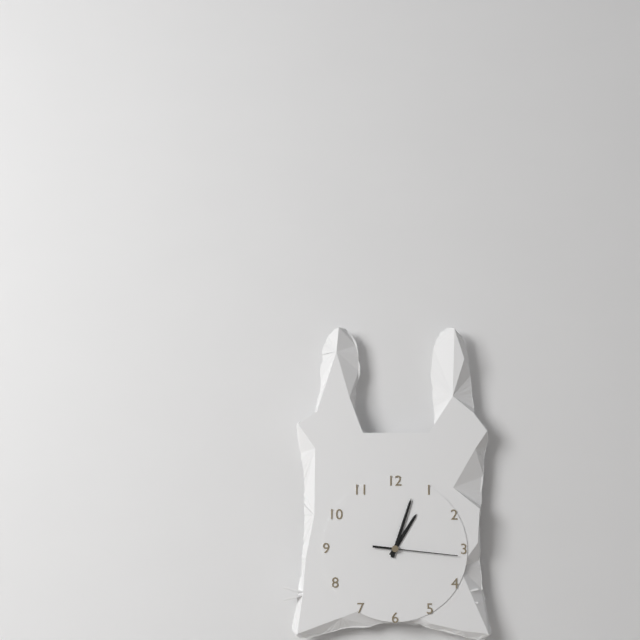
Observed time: 1:03:16
